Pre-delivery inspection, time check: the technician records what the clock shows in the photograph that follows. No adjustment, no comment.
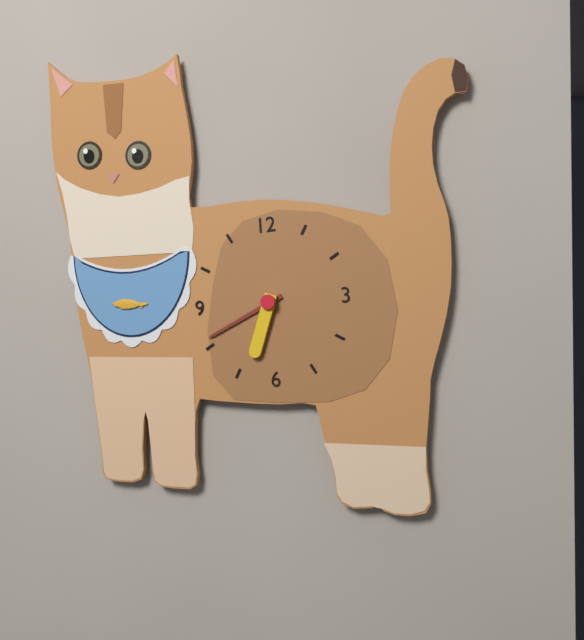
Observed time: 6:41
